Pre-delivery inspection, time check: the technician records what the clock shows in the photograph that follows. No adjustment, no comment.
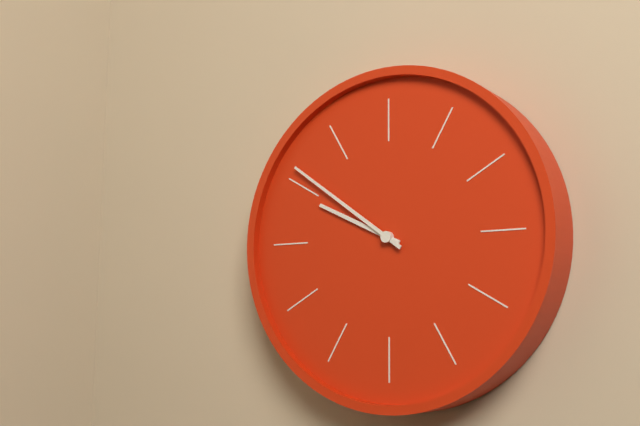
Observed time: 9:51
